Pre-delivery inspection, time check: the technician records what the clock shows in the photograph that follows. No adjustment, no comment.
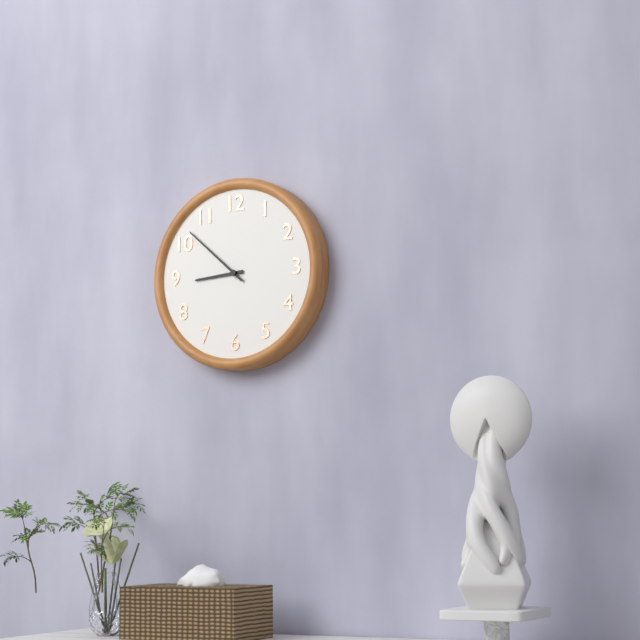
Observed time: 8:52
